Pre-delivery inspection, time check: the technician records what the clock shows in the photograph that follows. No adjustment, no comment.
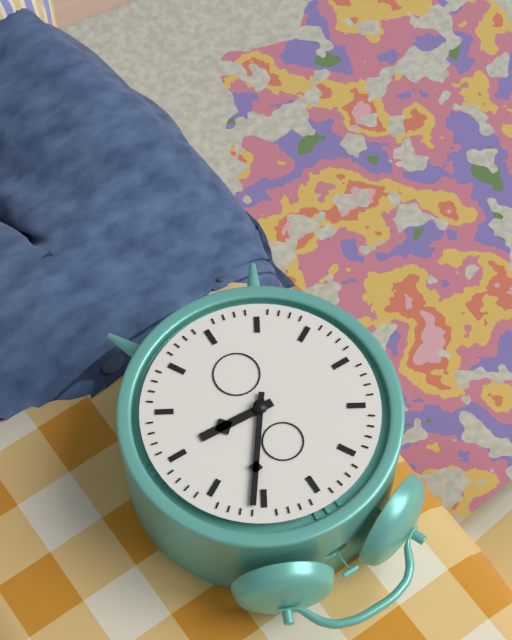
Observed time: 3:06
